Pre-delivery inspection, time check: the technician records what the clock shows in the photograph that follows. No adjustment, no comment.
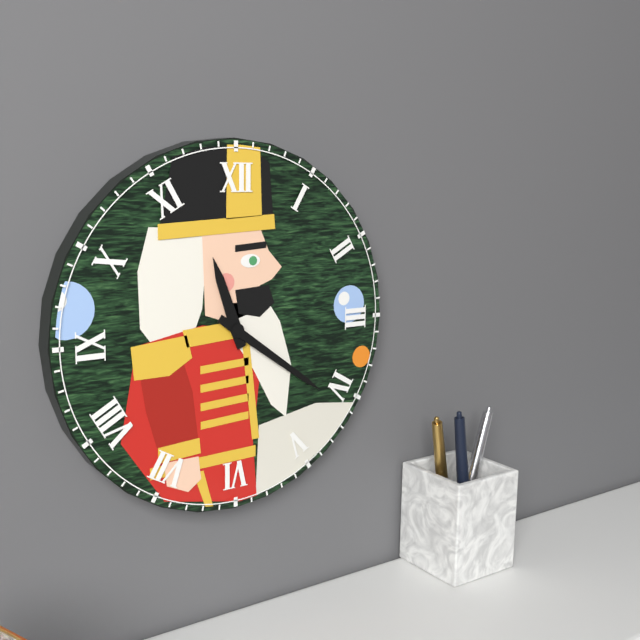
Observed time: 11:21
